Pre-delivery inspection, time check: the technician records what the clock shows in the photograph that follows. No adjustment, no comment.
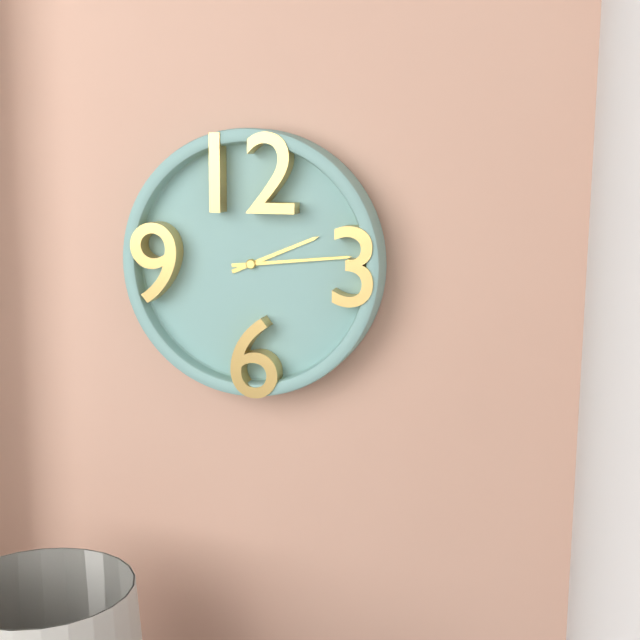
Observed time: 2:14
